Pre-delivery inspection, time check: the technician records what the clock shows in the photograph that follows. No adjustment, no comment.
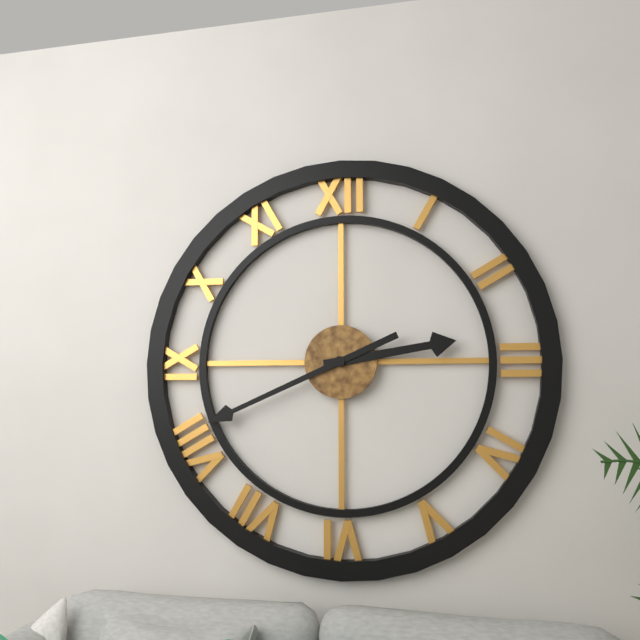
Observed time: 2:41
